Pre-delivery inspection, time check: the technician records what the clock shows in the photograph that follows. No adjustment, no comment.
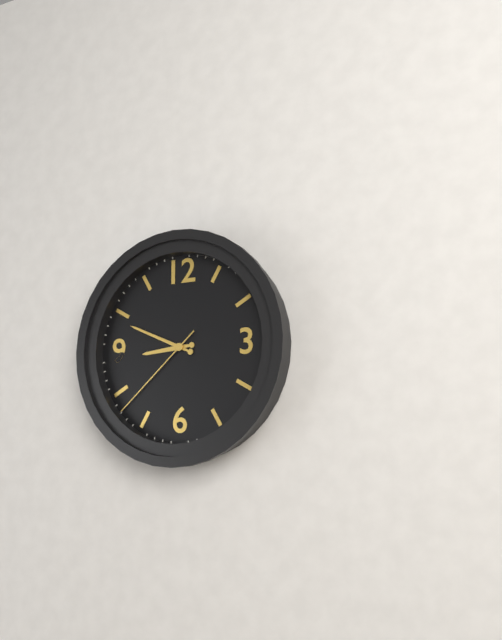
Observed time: 8:49:38
